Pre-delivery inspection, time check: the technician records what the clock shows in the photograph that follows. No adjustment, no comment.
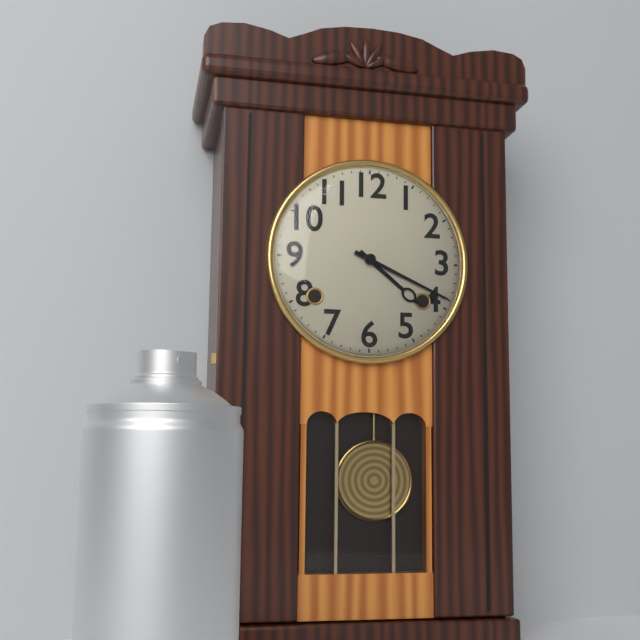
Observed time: 4:19
